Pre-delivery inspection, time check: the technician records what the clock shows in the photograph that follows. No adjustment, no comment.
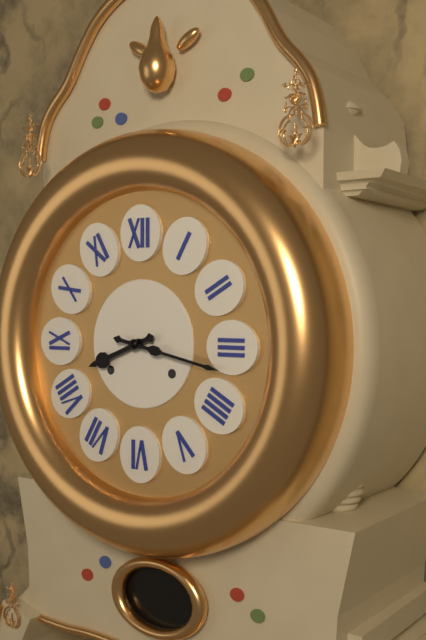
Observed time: 8:17
